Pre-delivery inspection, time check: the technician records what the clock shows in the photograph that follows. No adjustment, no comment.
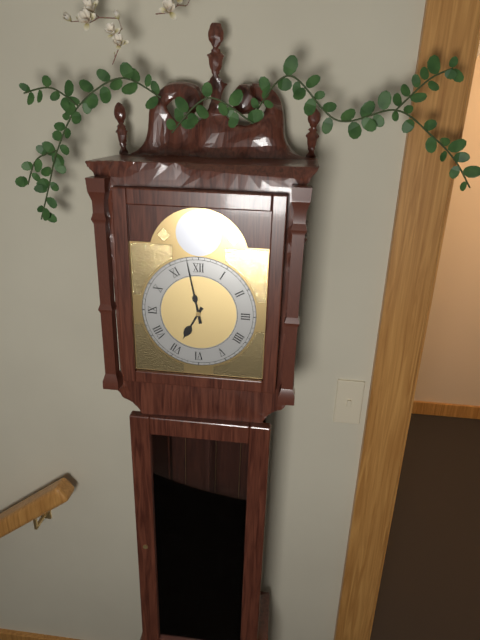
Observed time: 6:58
